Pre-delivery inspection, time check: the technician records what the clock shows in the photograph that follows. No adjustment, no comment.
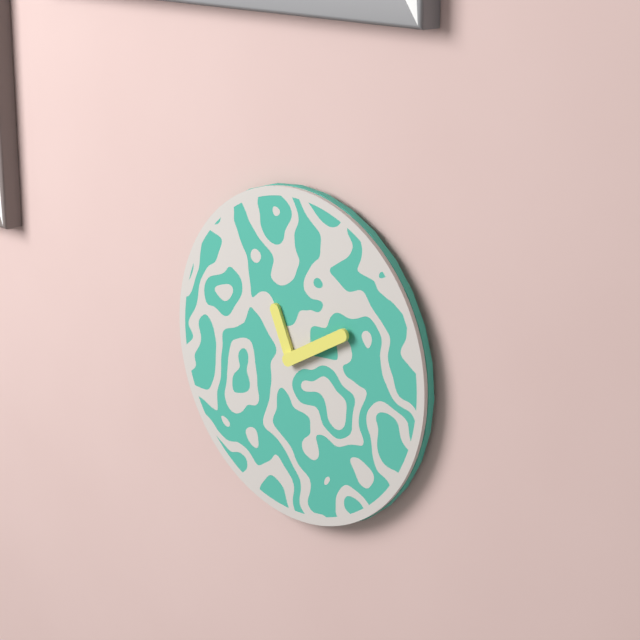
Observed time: 11:10
